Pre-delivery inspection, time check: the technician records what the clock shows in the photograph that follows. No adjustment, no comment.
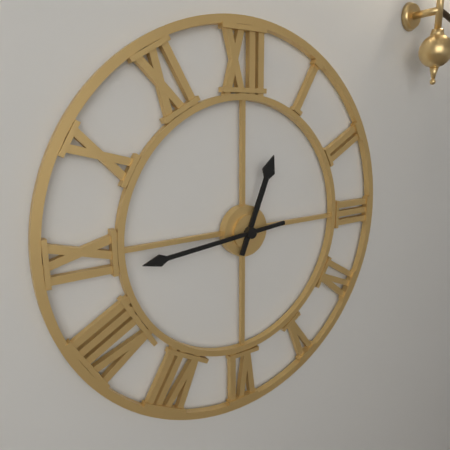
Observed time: 12:44
